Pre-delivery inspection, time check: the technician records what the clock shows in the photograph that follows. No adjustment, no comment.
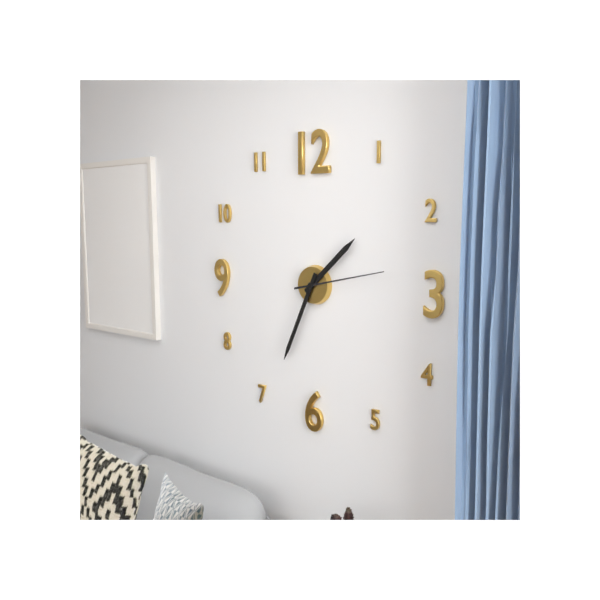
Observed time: 1:34:13
